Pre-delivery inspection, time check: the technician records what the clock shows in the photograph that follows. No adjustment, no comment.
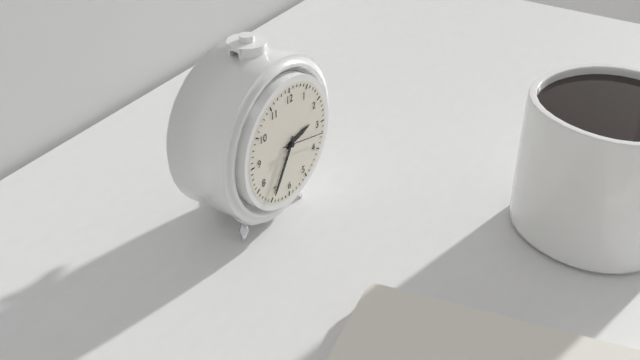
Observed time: 2:35
